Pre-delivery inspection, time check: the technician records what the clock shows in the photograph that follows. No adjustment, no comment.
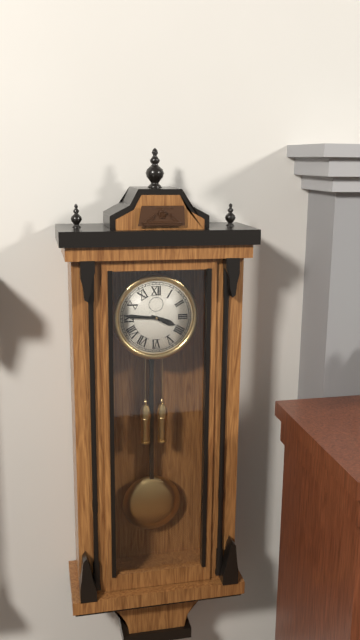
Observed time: 3:46
